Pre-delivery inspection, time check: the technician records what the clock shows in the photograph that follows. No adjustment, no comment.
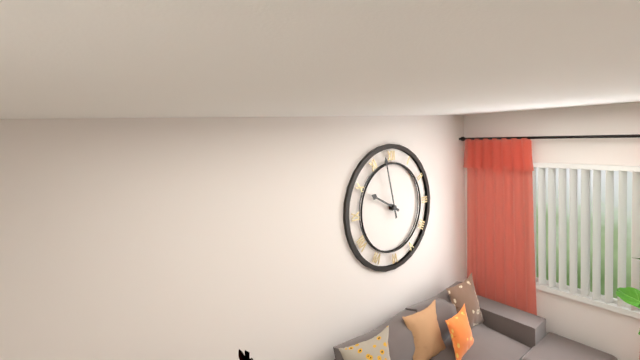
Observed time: 9:58
